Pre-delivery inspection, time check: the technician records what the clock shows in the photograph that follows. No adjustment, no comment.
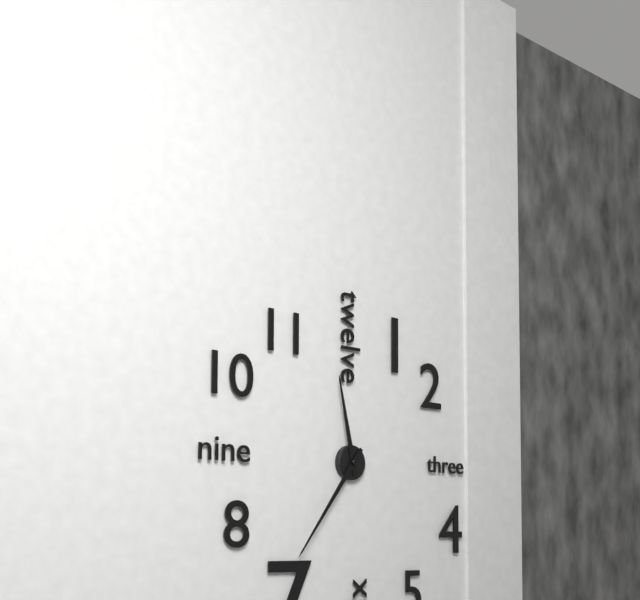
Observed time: 11:36
